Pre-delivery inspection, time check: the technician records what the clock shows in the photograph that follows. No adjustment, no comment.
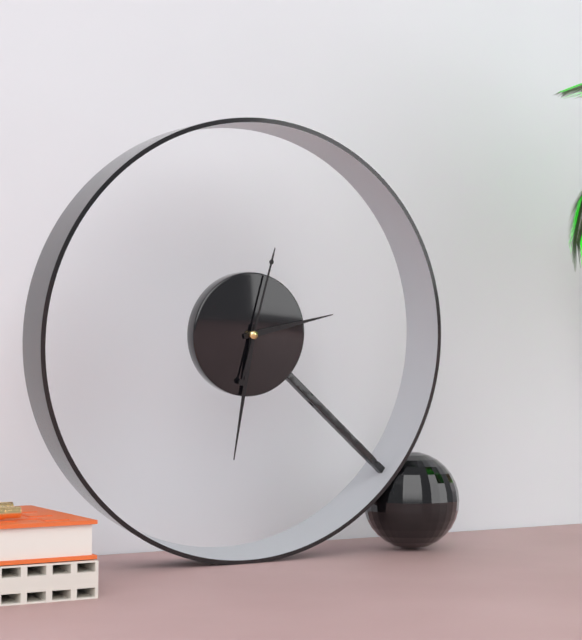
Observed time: 2:31:02
